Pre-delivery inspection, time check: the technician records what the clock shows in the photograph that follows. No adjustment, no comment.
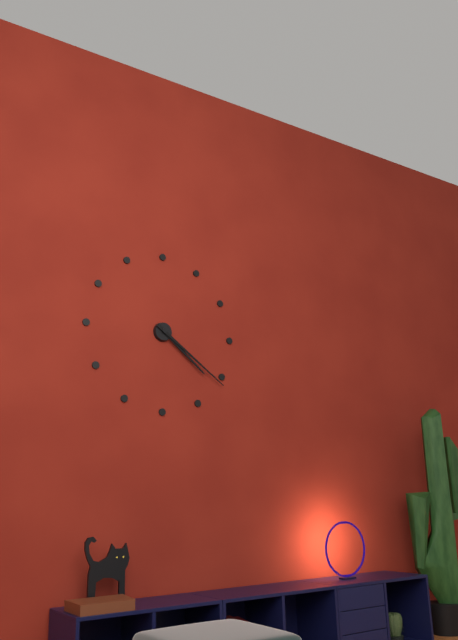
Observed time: 4:21
